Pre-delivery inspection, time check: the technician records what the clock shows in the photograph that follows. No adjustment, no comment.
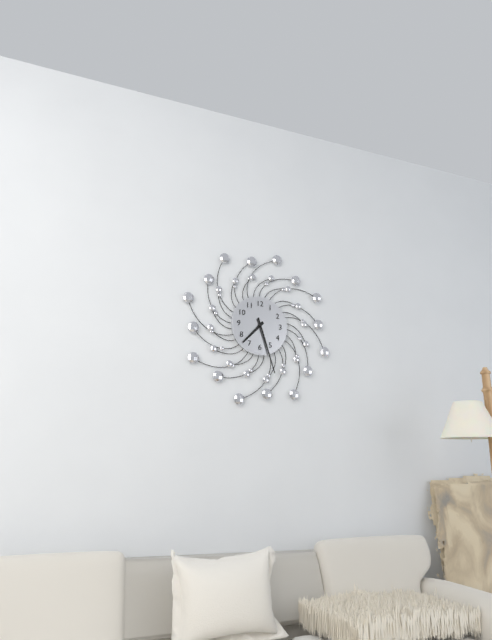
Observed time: 7:27
